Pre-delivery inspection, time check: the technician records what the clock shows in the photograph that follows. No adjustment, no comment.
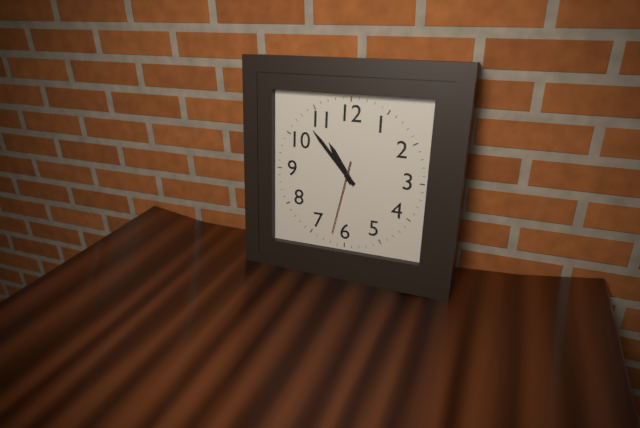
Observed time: 10:53:32
